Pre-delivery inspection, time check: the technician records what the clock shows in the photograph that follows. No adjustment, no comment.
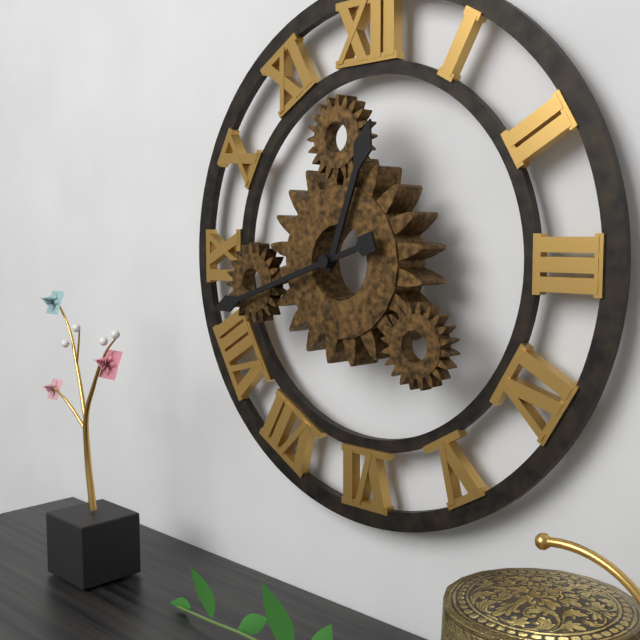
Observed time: 12:42
